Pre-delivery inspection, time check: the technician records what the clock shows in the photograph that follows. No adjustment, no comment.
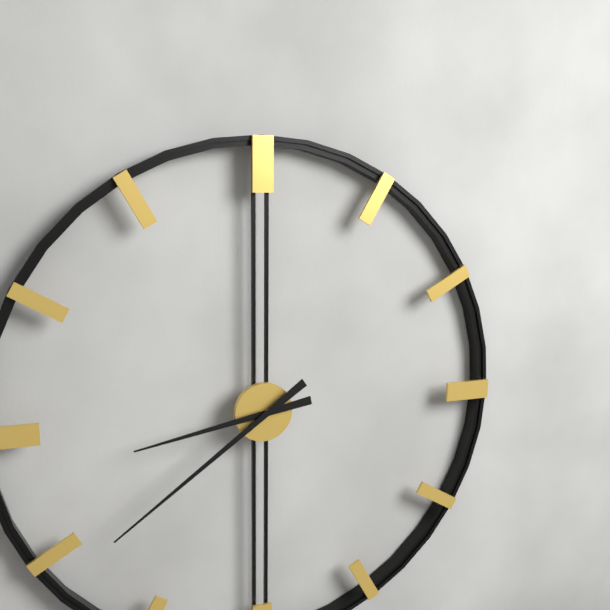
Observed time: 8:39
